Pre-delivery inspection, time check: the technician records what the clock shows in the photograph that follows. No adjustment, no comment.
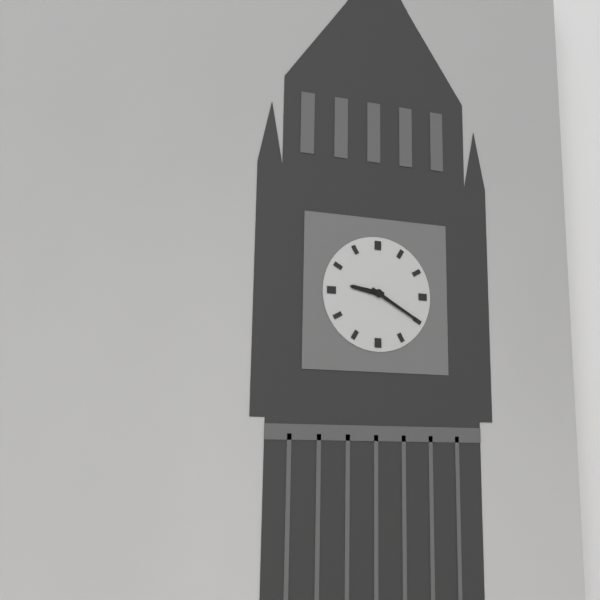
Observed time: 9:20
